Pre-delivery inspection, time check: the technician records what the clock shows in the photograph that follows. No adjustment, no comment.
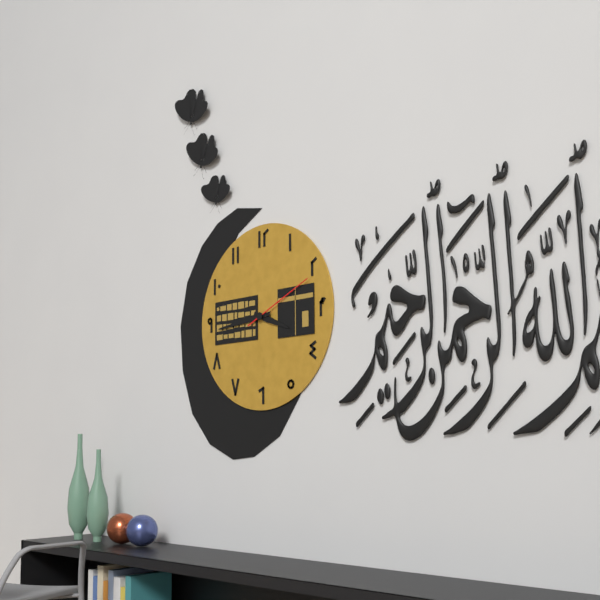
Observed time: 3:44:11
